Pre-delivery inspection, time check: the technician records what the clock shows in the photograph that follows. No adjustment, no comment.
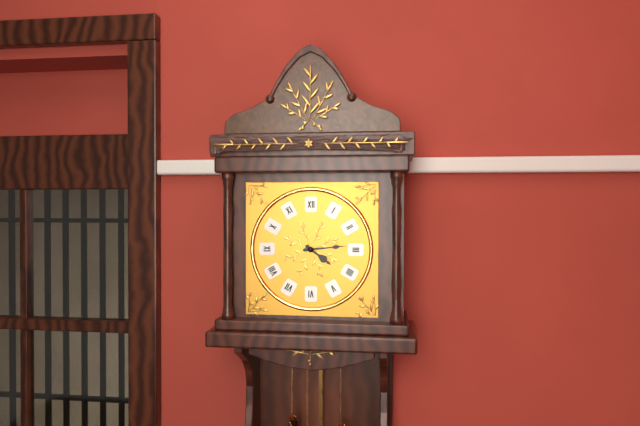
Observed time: 4:14
